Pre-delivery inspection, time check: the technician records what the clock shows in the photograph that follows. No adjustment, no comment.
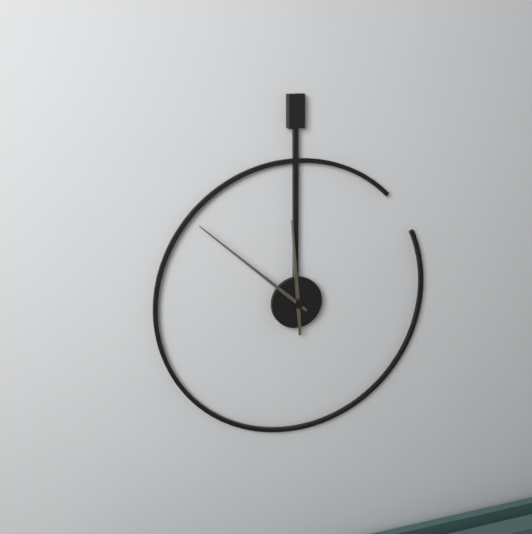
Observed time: 11:52
